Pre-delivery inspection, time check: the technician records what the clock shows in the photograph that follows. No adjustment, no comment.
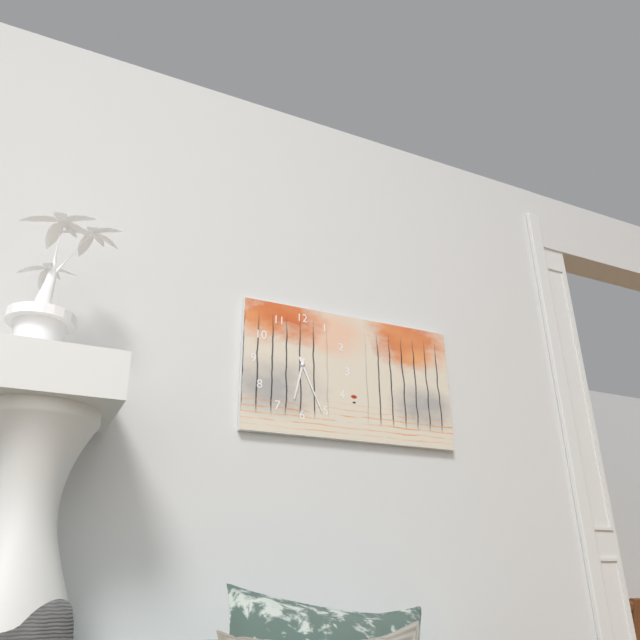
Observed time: 6:26
